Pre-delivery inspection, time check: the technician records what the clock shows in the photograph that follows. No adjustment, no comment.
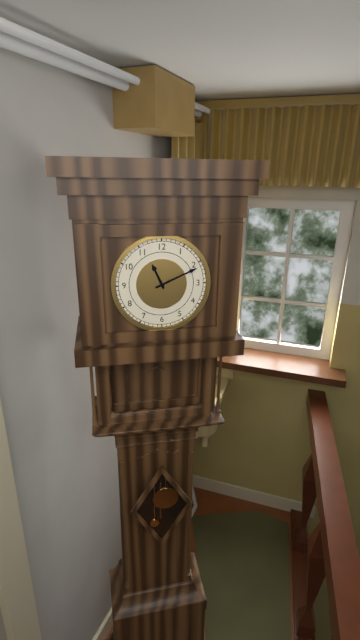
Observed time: 11:11
